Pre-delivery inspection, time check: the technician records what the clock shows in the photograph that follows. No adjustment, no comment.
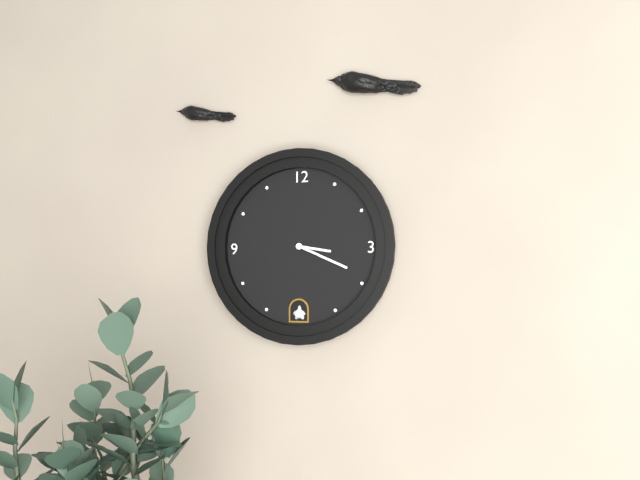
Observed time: 3:19
